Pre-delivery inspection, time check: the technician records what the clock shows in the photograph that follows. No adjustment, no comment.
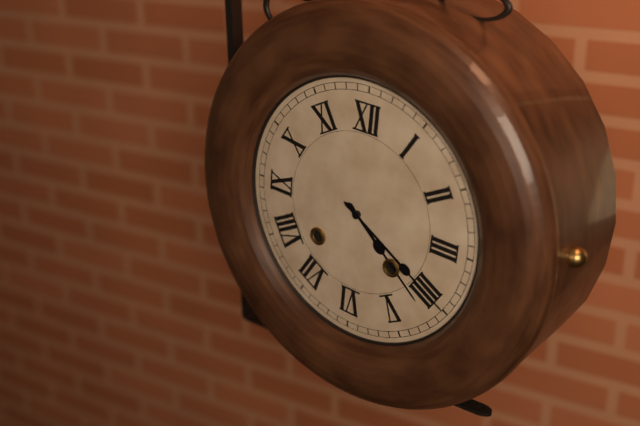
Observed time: 4:20
